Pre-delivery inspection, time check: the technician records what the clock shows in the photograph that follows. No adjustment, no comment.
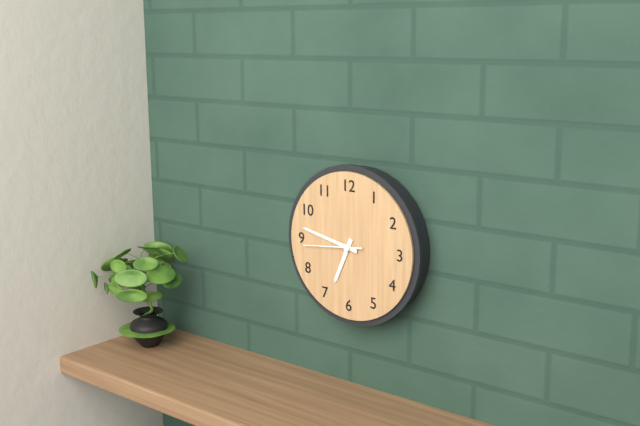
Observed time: 6:47:44
